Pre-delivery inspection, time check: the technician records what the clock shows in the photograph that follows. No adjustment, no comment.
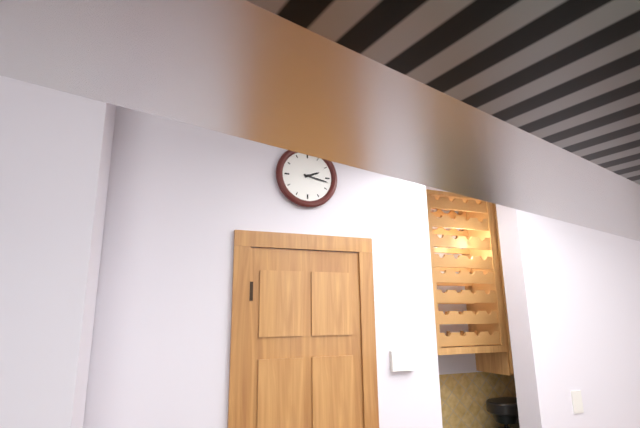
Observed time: 2:17
